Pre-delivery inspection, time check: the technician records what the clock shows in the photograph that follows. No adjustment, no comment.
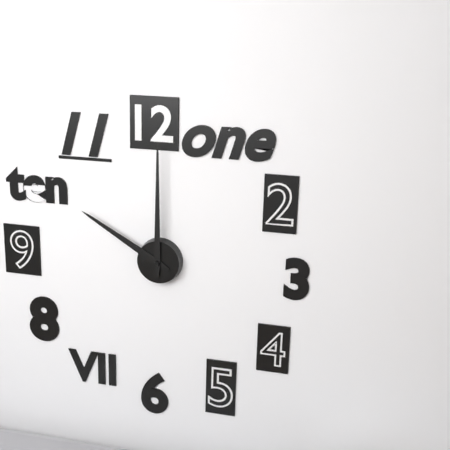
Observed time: 10:00
